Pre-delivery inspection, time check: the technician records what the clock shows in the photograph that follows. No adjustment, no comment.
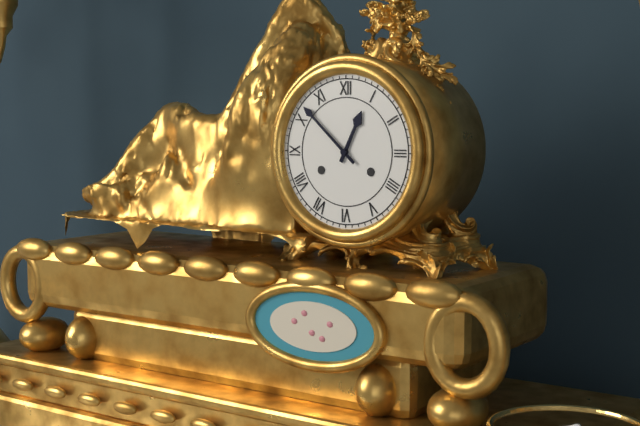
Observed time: 12:52
